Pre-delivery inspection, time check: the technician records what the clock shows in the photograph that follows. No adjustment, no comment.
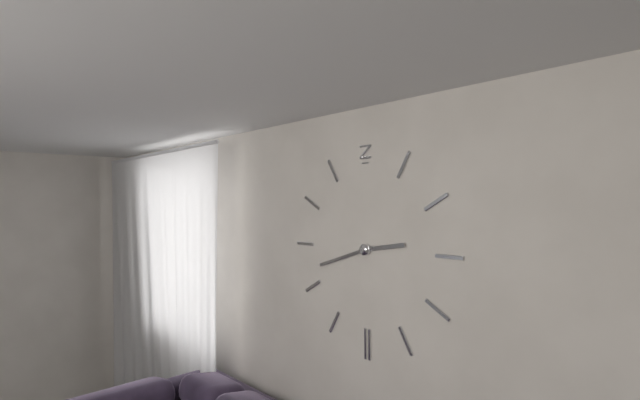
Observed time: 2:42
